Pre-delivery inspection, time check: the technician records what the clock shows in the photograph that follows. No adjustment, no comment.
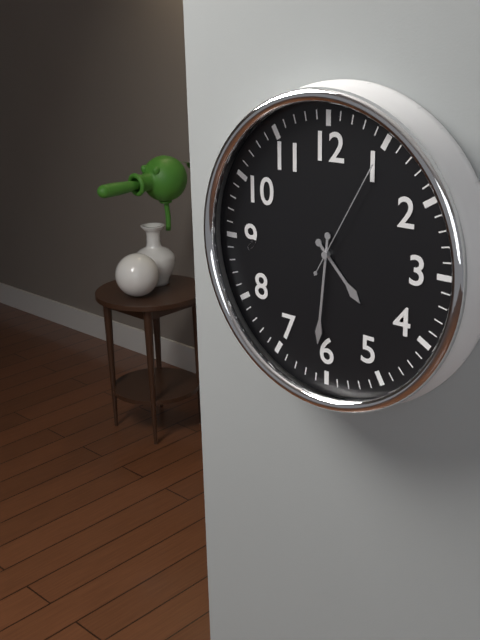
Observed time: 4:31:05
